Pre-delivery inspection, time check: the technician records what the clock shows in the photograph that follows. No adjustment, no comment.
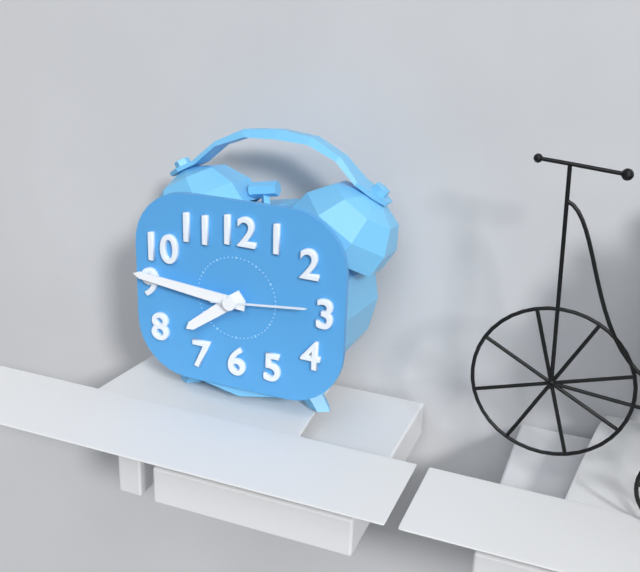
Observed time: 7:46:14
